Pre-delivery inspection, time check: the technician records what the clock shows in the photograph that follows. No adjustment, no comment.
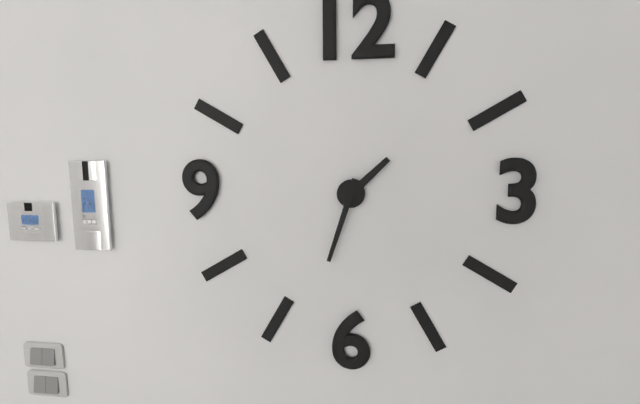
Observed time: 1:33
